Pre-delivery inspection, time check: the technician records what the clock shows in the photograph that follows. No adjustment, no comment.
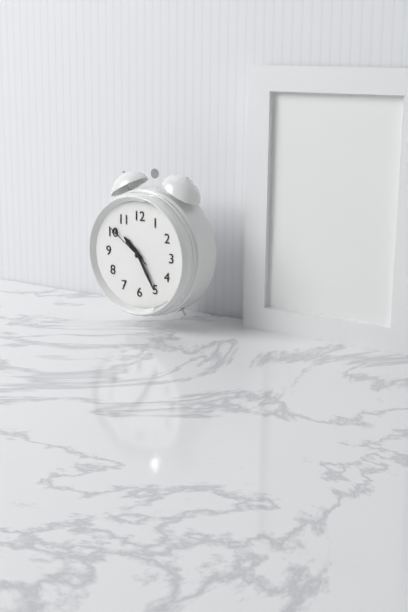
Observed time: 10:25:51
